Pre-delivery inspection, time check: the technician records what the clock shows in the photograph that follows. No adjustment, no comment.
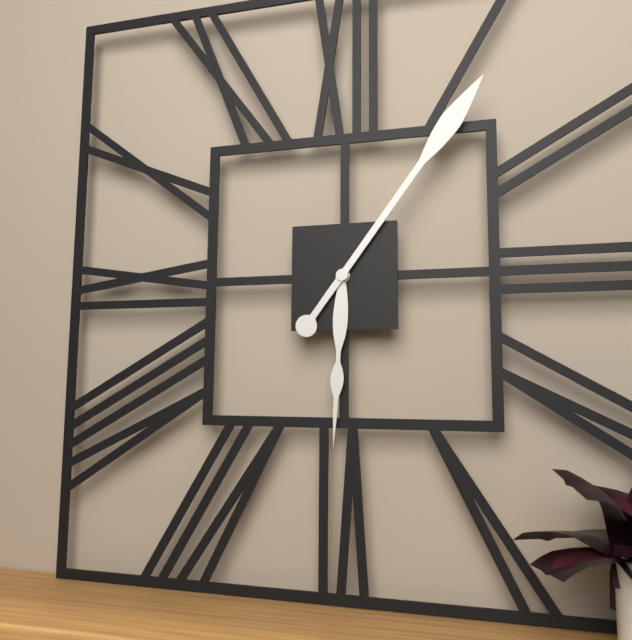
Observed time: 6:06
